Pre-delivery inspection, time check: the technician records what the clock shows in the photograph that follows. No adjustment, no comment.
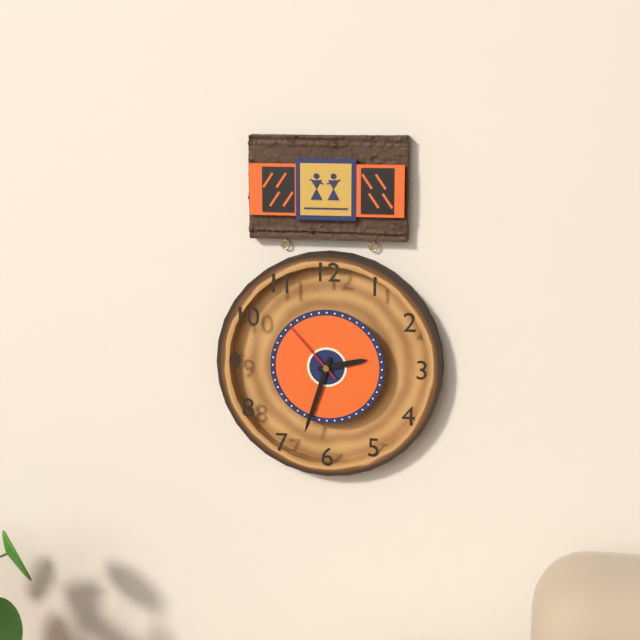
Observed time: 2:33:53
